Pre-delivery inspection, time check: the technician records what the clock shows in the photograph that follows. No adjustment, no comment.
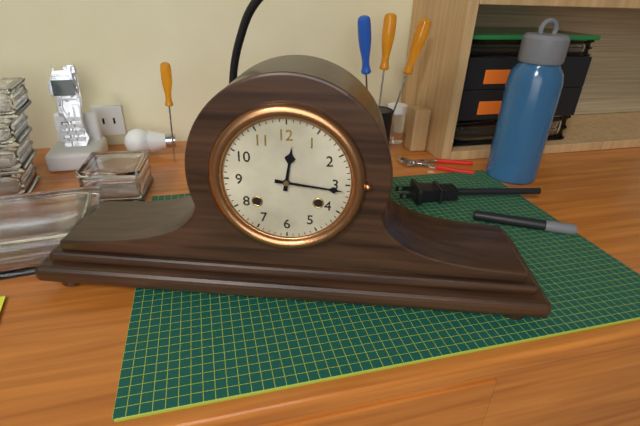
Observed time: 12:16
